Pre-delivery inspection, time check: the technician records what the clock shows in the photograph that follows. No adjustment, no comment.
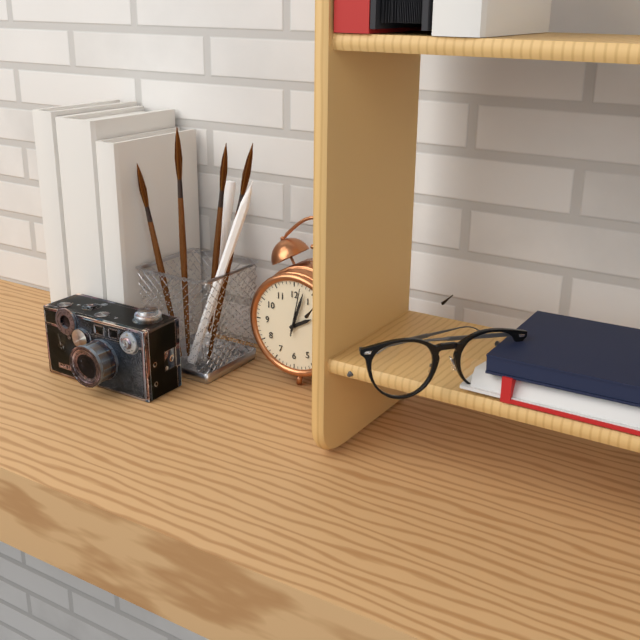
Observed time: 2:03
